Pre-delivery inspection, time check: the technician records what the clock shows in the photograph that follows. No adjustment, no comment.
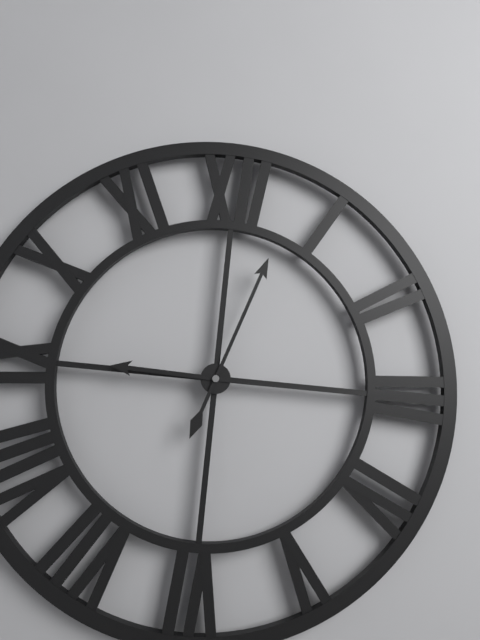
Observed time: 9:03
